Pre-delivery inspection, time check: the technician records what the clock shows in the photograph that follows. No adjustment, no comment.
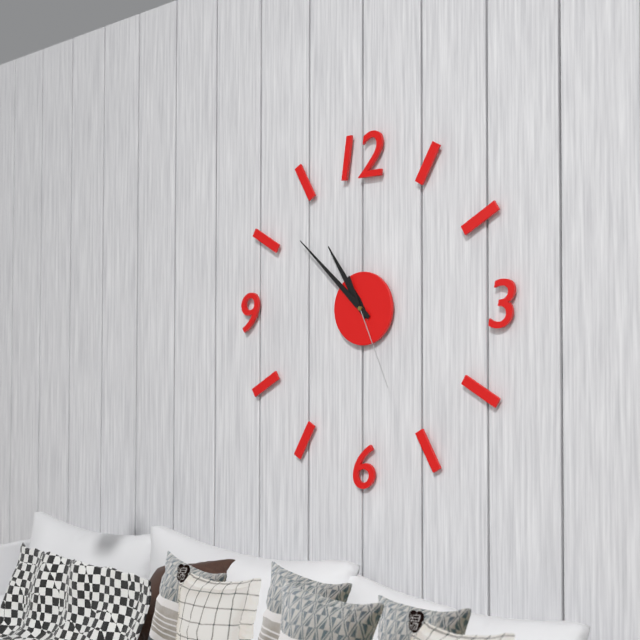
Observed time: 10:52:26
